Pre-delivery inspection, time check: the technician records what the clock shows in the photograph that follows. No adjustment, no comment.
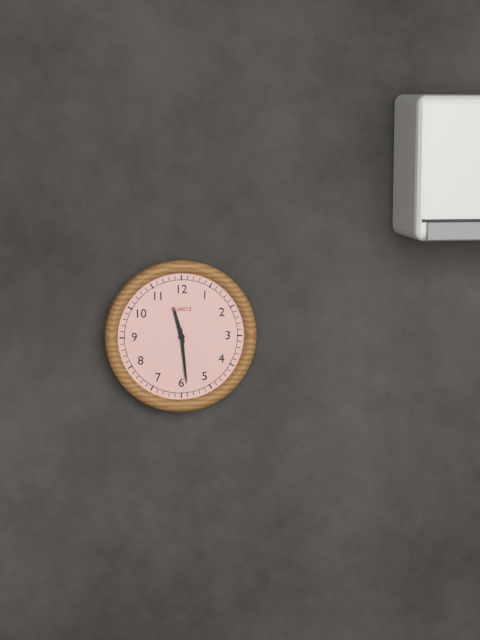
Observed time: 11:29
